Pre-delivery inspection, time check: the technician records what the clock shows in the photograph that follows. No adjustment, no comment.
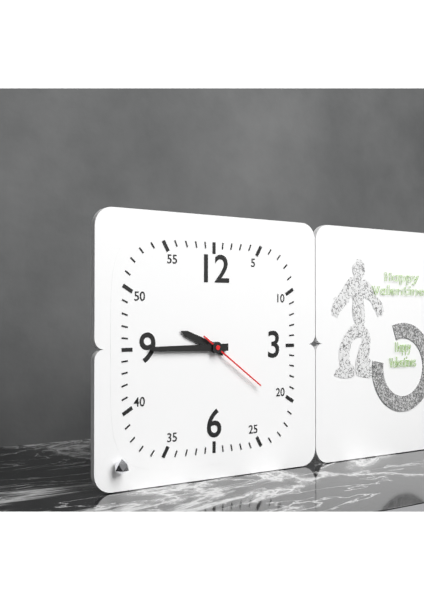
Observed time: 9:45:21
